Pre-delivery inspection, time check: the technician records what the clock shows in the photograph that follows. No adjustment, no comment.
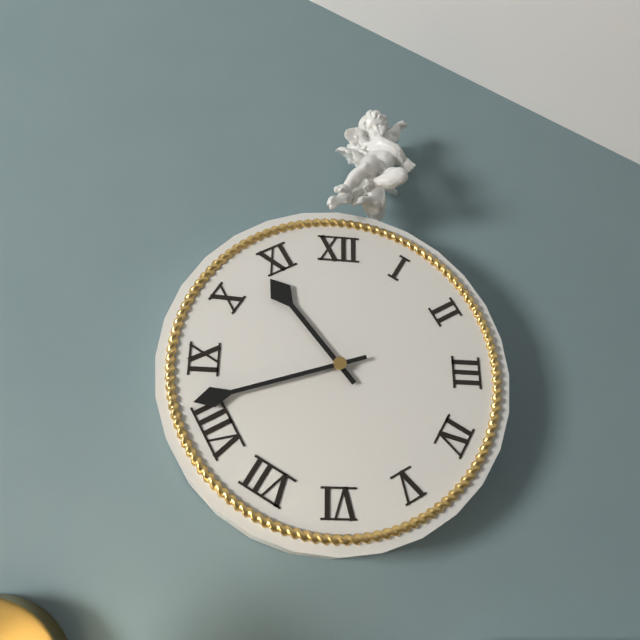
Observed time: 10:42
